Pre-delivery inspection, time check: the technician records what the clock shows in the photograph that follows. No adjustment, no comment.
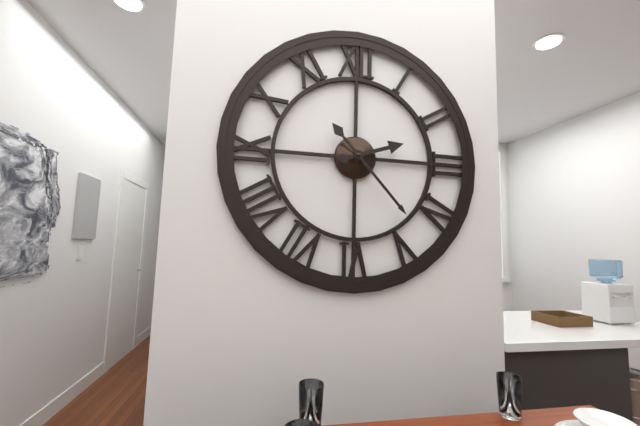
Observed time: 2:23
